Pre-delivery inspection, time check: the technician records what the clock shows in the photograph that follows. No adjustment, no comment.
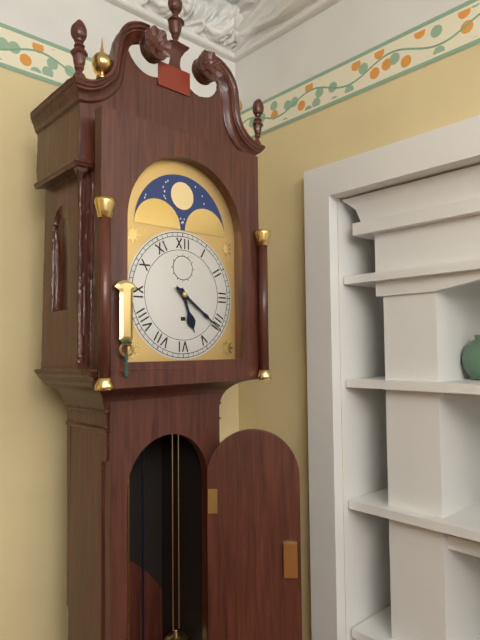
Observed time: 5:21
